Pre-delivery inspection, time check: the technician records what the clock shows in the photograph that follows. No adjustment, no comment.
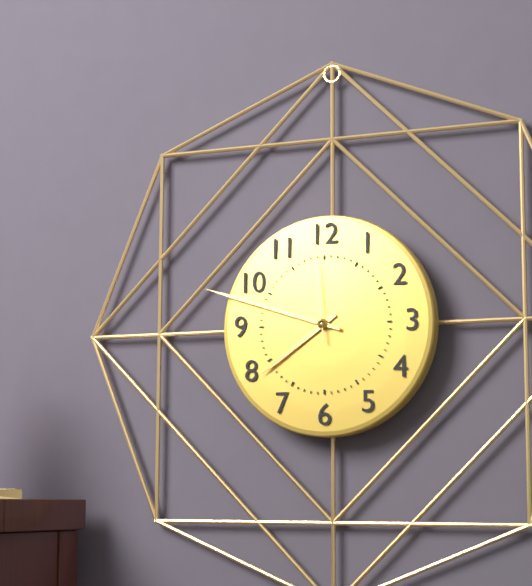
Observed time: 7:48:59
